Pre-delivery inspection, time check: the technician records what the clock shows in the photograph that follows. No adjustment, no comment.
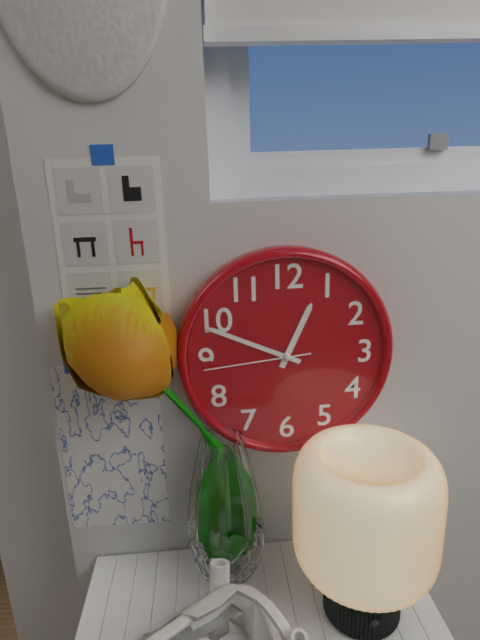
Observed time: 12:49:44
